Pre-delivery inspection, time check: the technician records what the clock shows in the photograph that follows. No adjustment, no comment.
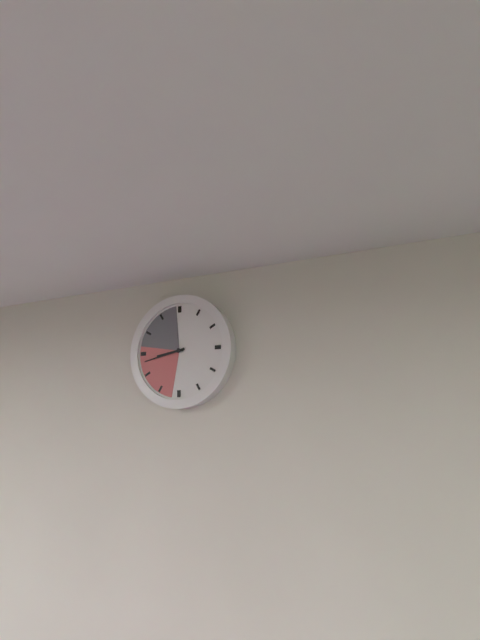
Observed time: 8:43
